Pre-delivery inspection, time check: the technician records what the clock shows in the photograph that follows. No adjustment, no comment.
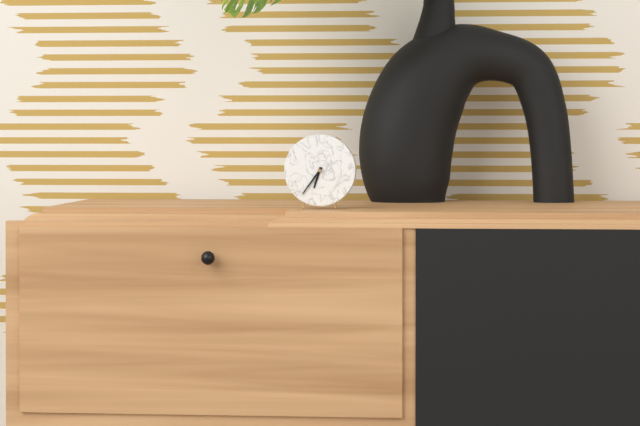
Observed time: 6:36
